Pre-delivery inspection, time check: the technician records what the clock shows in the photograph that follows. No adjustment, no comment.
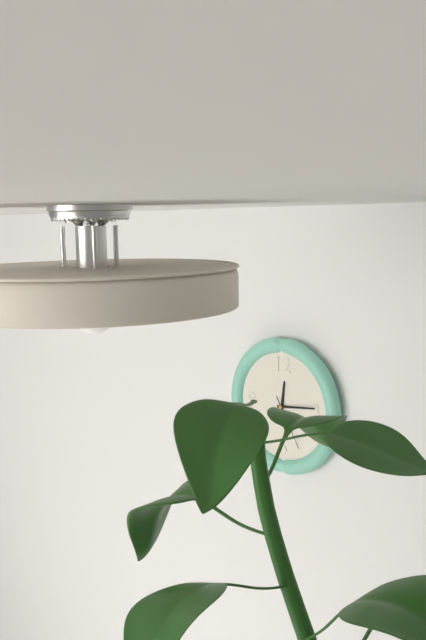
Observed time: 12:14:25
